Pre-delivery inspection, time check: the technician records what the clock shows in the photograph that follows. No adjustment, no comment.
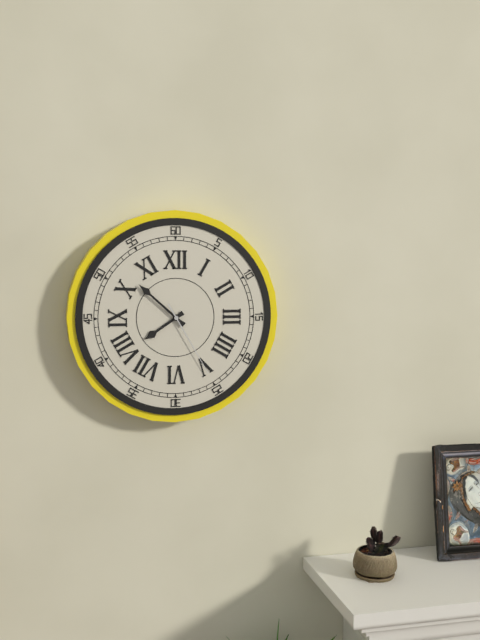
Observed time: 7:52:25
